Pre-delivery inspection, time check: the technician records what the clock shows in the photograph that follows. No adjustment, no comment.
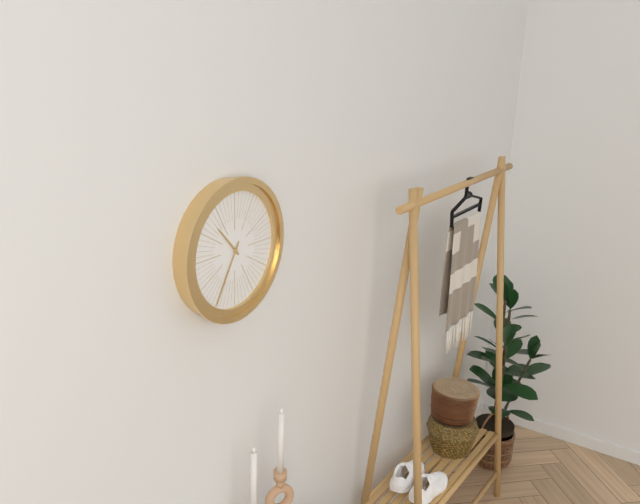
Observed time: 10:35
